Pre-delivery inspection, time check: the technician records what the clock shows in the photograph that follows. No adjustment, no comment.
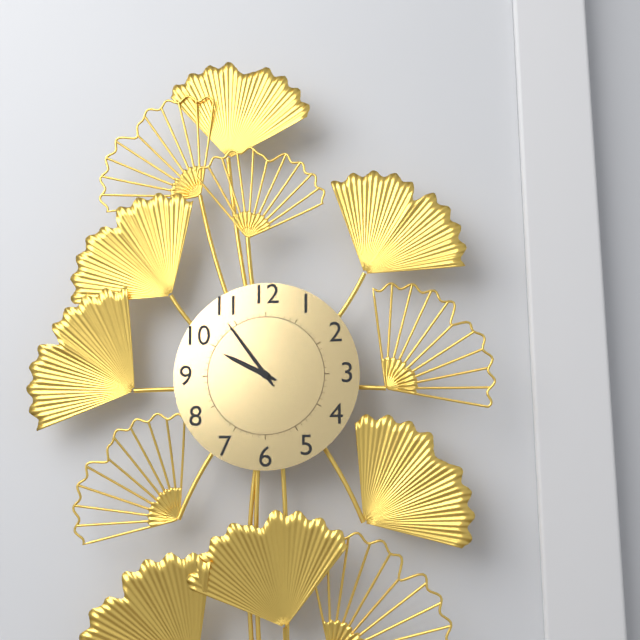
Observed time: 9:54
